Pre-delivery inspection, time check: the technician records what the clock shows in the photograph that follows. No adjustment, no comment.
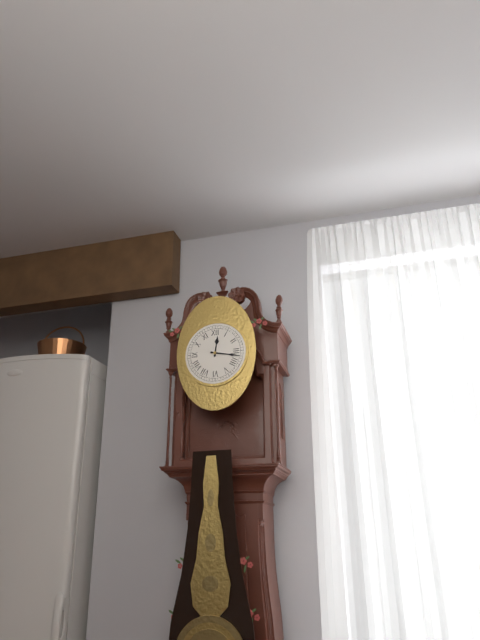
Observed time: 12:17
